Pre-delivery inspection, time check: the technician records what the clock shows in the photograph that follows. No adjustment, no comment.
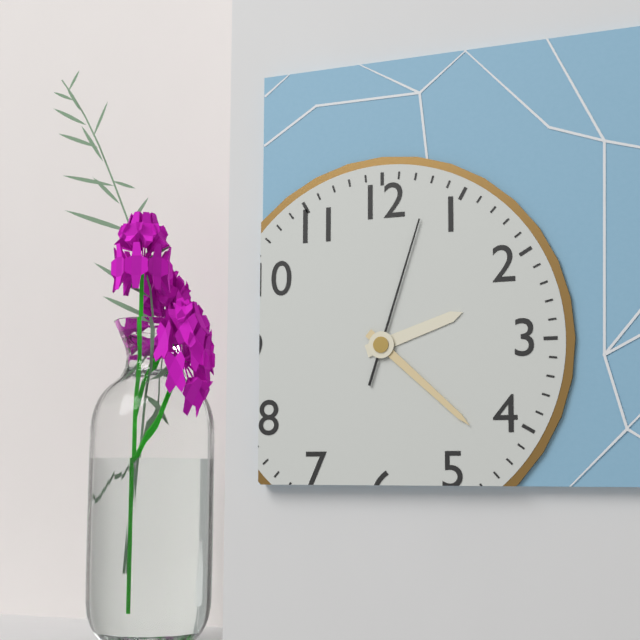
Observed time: 2:22:03
